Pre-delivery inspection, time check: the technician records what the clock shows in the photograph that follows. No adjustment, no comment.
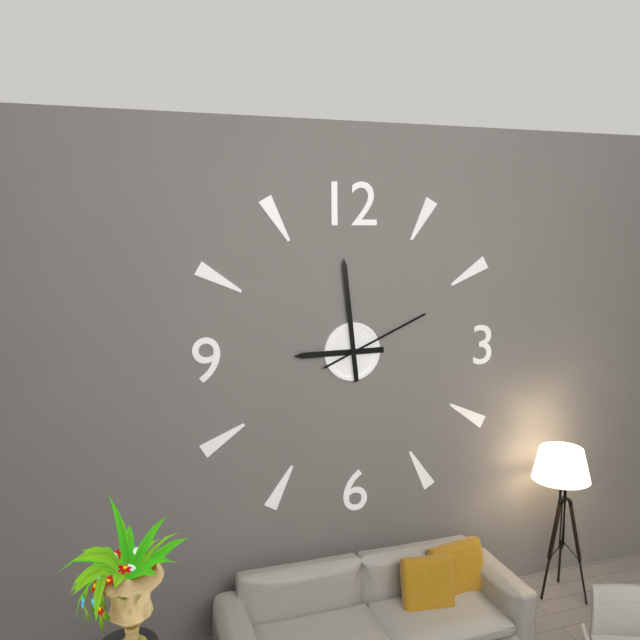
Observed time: 8:59:11
